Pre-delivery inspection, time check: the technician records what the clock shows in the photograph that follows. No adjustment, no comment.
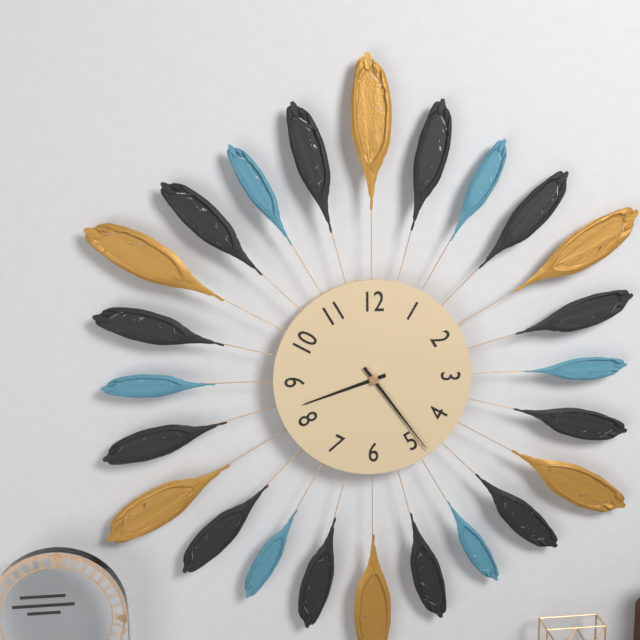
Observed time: 8:24
